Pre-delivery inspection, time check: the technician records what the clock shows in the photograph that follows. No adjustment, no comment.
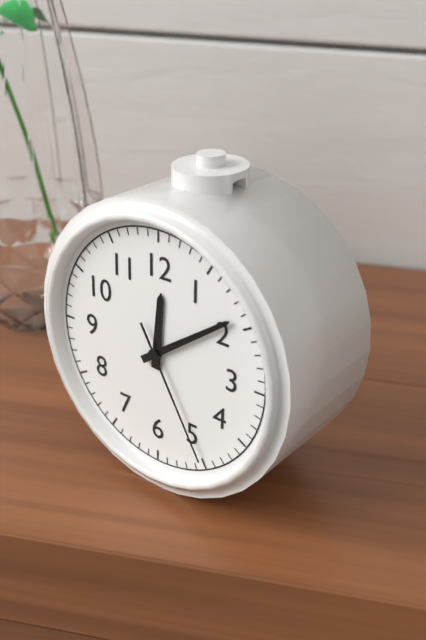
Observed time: 12:09:25
